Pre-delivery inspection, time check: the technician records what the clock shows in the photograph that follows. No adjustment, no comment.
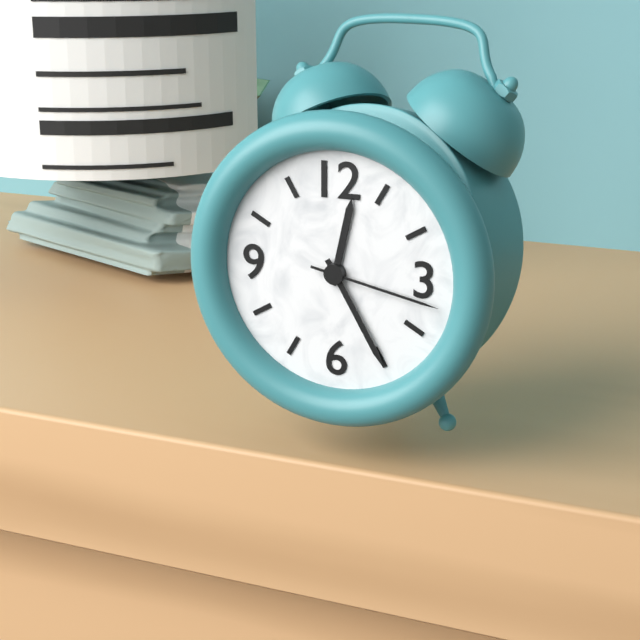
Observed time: 12:25:17
